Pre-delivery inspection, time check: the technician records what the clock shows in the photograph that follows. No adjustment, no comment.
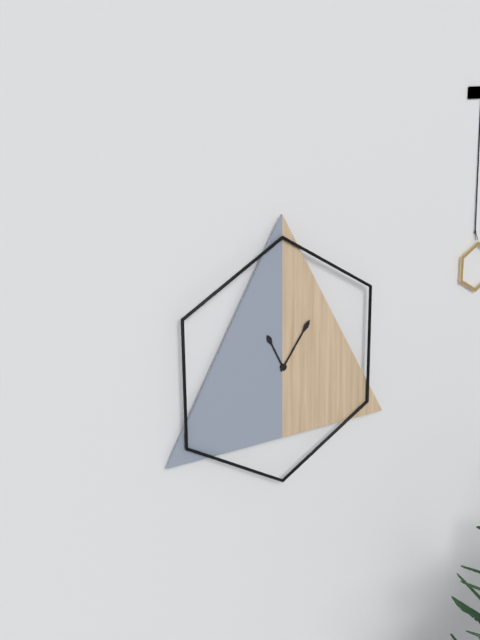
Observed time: 11:06
